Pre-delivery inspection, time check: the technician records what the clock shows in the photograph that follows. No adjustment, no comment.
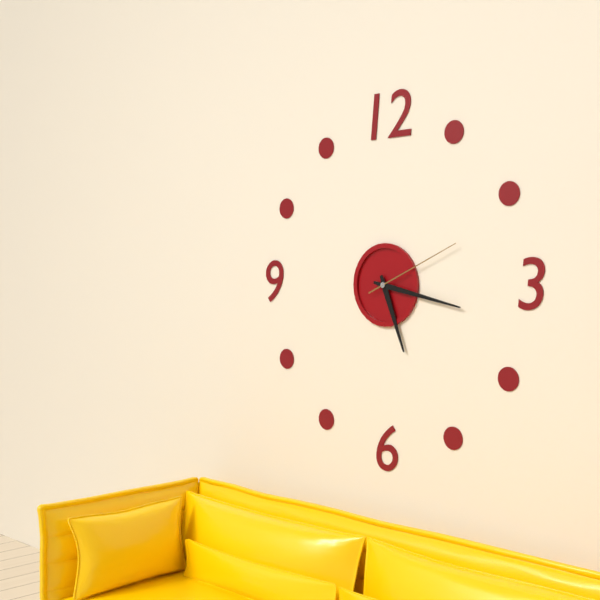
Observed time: 5:17:11
